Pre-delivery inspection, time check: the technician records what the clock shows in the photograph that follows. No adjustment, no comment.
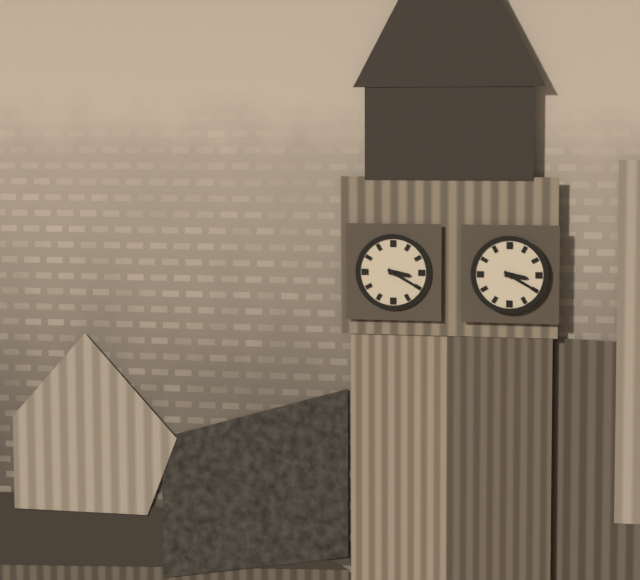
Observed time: 3:20
